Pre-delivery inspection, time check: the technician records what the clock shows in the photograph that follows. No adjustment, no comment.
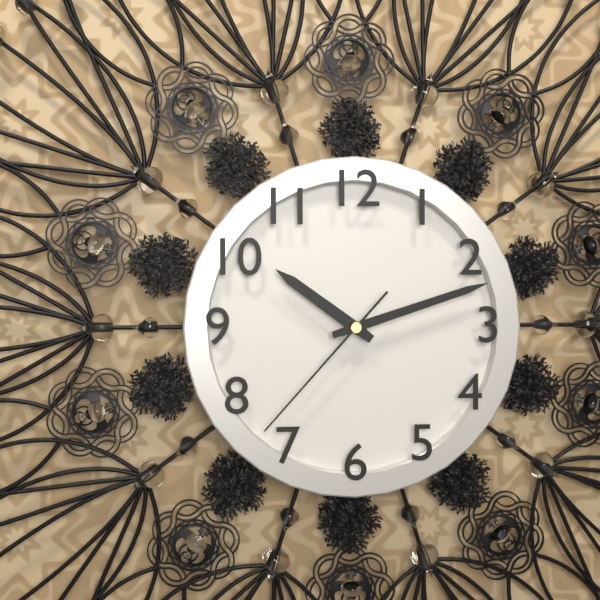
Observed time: 10:12:37
